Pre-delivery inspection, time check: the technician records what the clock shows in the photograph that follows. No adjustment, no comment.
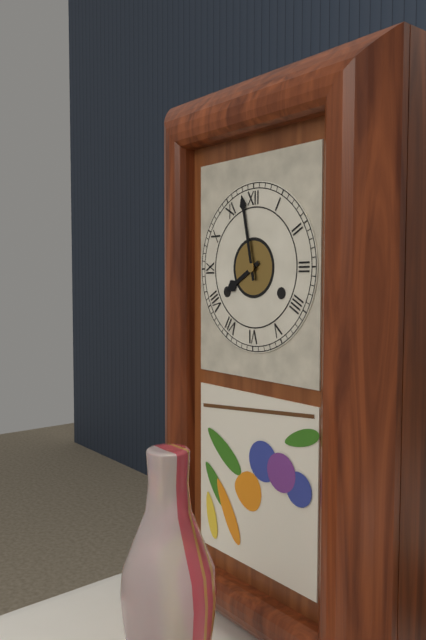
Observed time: 7:58
